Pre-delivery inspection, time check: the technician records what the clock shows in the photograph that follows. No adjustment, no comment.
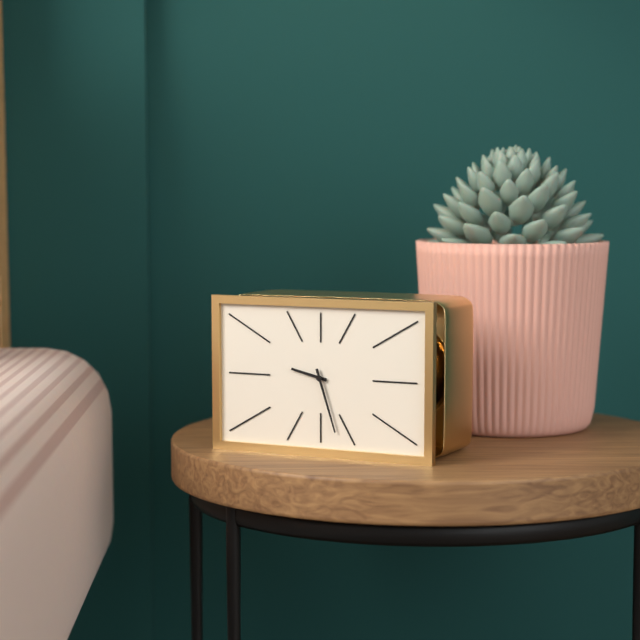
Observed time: 9:27
